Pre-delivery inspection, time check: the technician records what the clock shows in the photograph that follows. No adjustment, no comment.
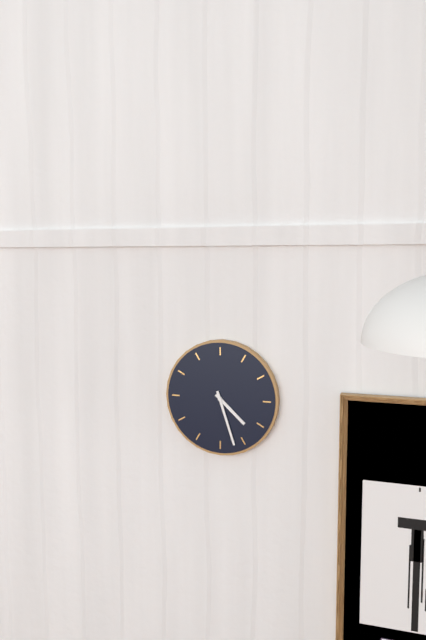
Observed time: 4:27
